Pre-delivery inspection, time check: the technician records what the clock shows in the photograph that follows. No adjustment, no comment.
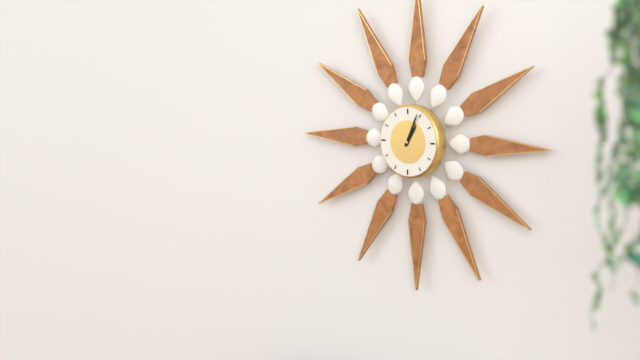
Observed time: 1:04
